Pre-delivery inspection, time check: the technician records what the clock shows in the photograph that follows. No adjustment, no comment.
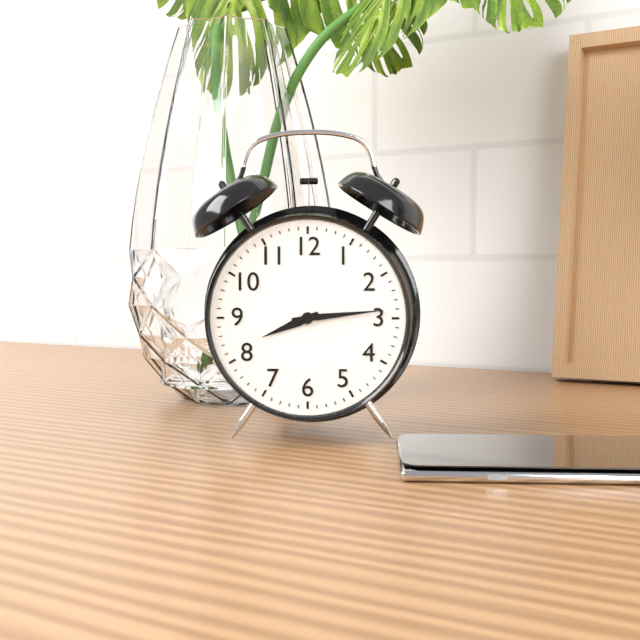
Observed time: 8:14
